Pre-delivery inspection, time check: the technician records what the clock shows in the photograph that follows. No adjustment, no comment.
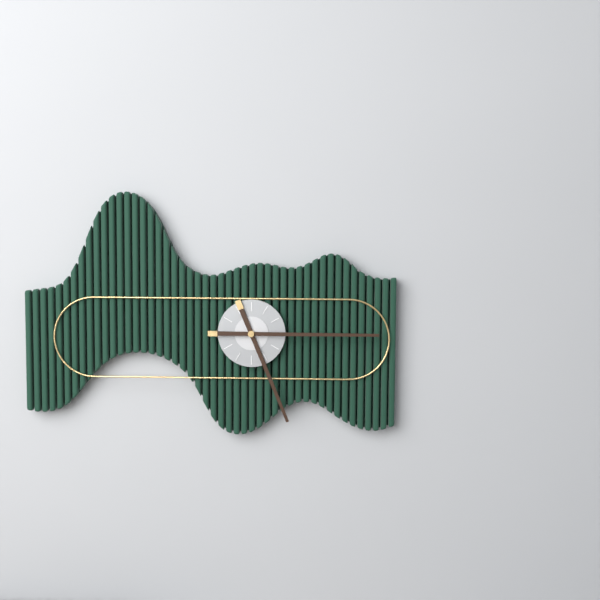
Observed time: 5:15
